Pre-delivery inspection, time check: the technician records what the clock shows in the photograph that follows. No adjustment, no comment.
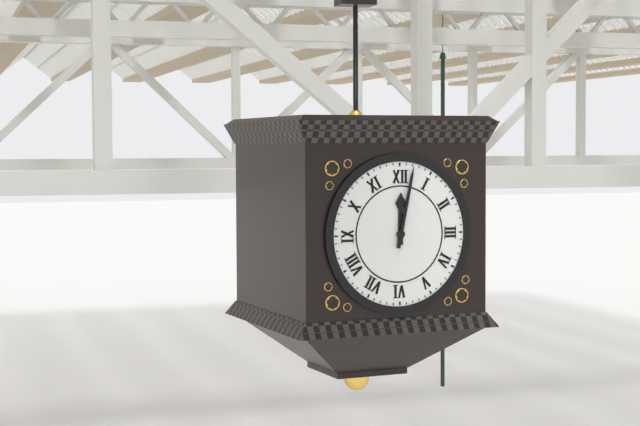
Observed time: 12:02
